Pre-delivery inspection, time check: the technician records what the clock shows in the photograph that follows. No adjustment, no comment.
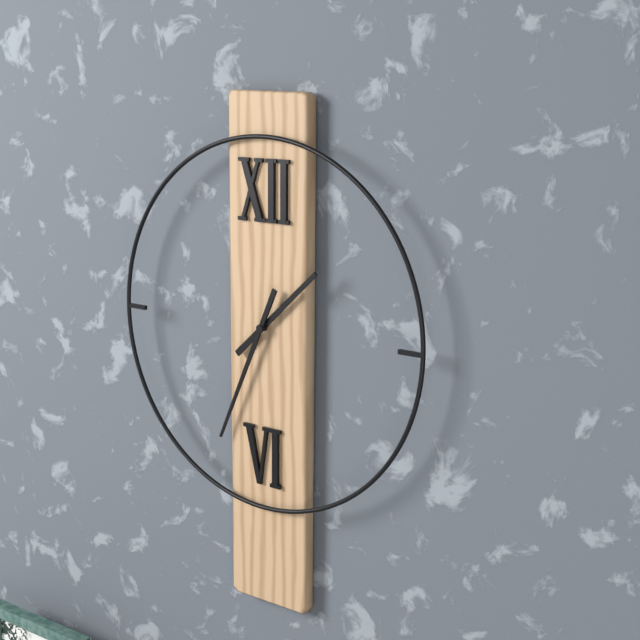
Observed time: 1:34
